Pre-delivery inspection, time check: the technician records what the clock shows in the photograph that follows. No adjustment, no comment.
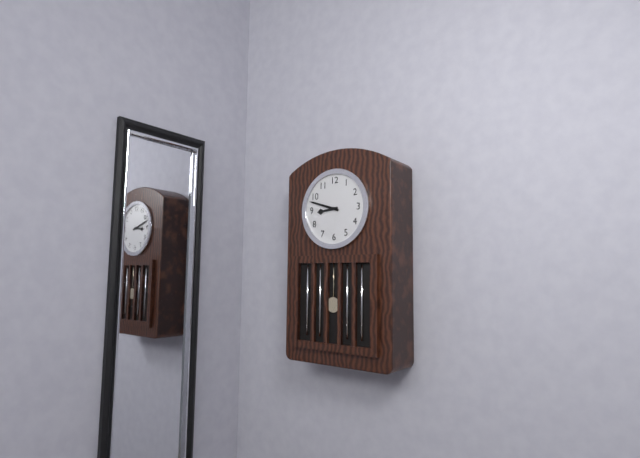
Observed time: 8:48
